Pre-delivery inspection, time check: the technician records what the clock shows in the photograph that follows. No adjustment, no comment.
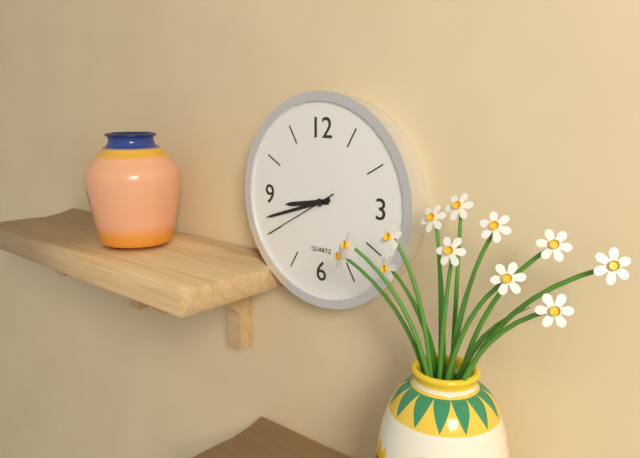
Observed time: 8:42:40
